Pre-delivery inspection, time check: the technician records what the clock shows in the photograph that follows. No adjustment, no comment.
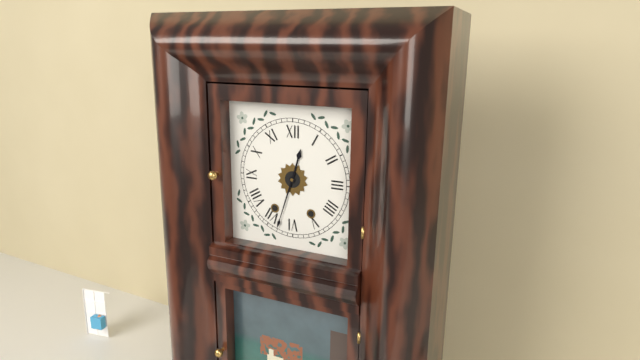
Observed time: 12:33
